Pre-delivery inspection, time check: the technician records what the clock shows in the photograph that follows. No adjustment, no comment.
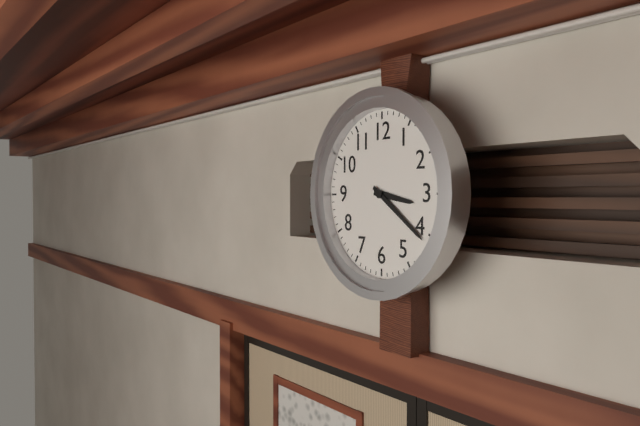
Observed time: 3:21
